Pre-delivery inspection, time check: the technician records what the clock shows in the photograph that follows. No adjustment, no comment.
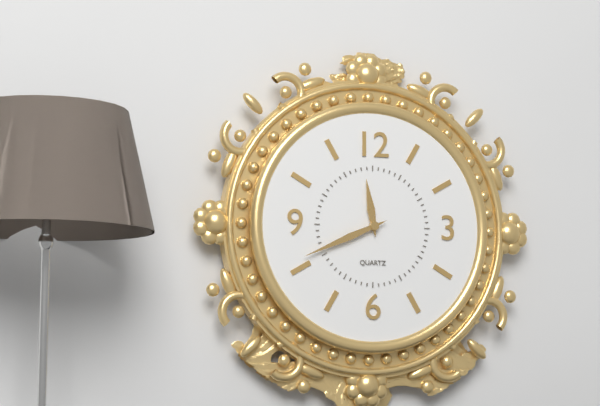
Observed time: 11:41
